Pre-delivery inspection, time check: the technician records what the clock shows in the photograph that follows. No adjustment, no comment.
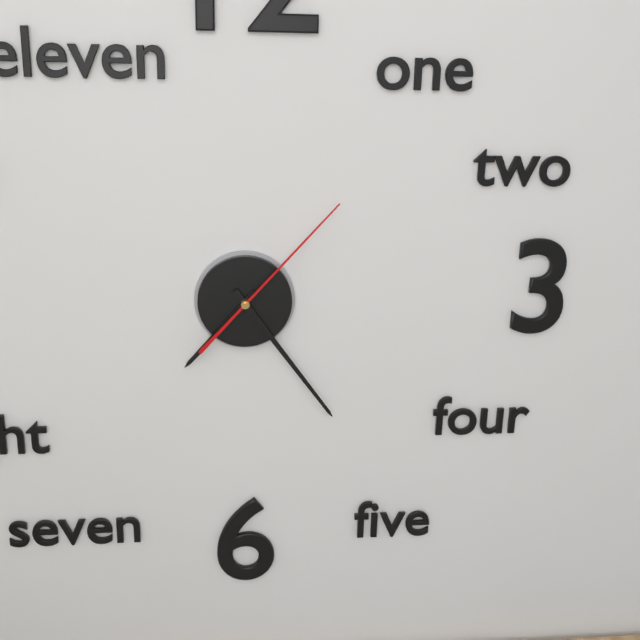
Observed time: 7:24:07
